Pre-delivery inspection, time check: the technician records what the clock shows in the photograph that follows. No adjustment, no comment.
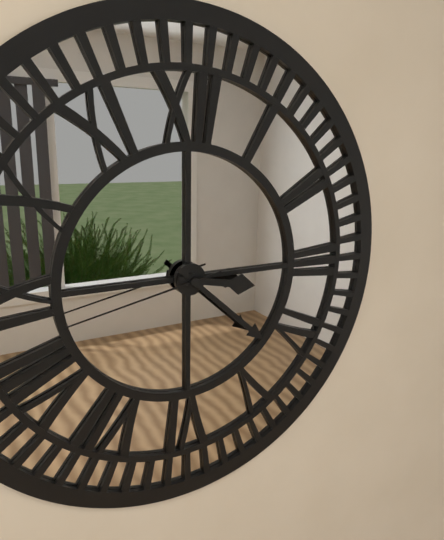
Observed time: 3:22:43
